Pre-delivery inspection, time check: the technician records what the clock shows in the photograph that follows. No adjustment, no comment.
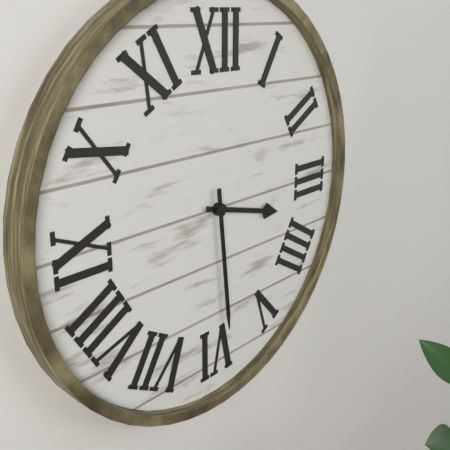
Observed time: 3:29
